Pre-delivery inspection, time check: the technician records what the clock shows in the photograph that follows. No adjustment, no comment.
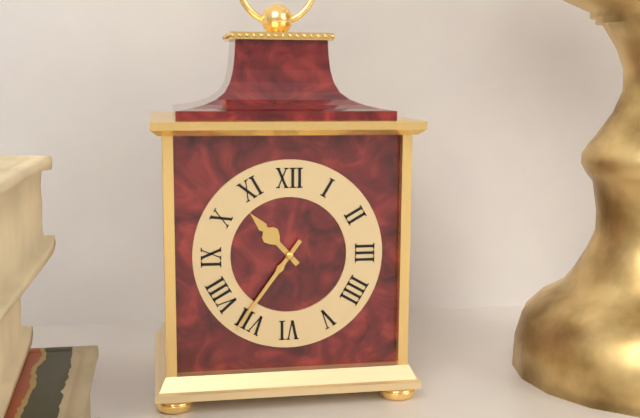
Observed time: 10:36
